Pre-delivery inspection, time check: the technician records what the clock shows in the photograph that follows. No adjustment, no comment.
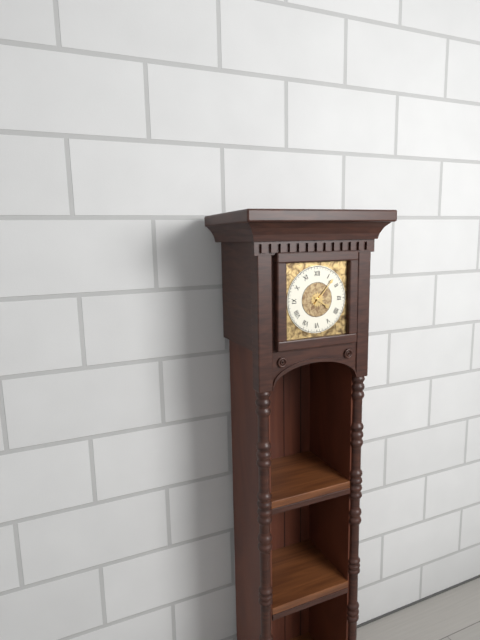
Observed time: 4:07
